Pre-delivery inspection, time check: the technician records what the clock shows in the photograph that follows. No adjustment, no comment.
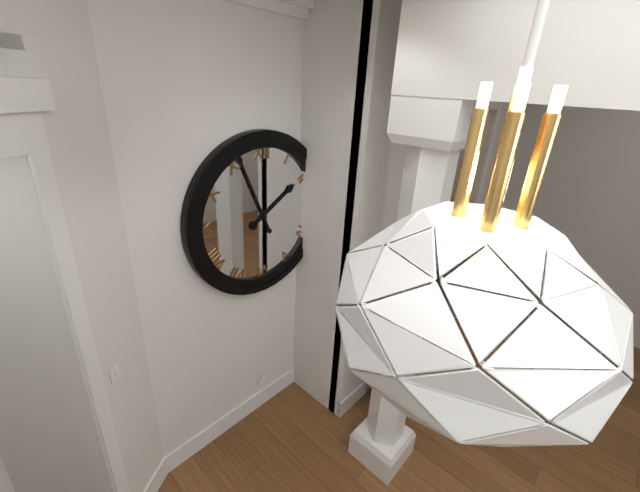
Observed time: 1:56
